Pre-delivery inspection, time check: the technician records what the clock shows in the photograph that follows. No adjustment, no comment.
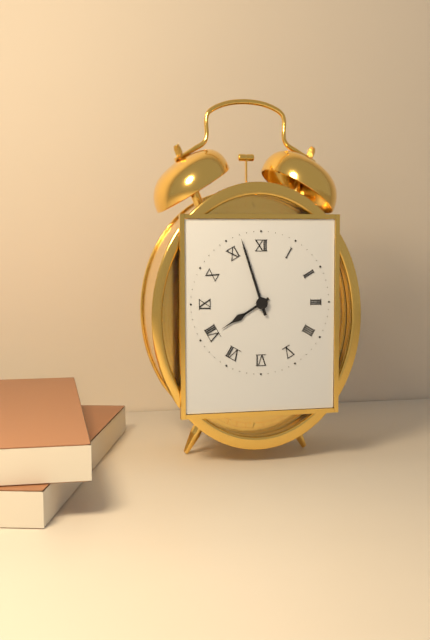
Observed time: 7:57
